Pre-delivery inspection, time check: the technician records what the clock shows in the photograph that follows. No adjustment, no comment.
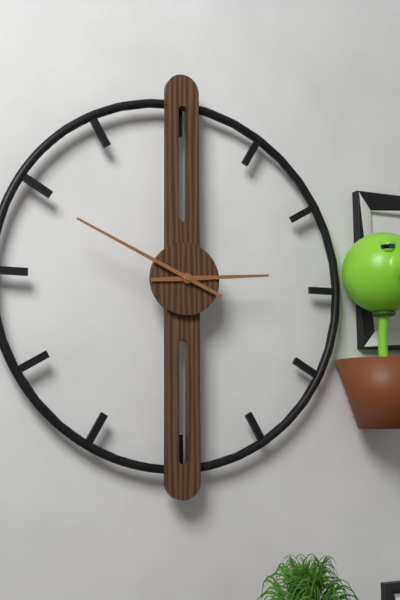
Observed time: 2:49
